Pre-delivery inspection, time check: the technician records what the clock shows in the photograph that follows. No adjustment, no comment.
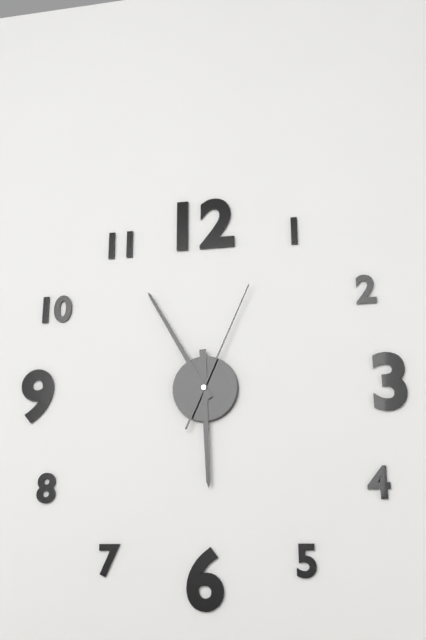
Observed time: 5:55:04
